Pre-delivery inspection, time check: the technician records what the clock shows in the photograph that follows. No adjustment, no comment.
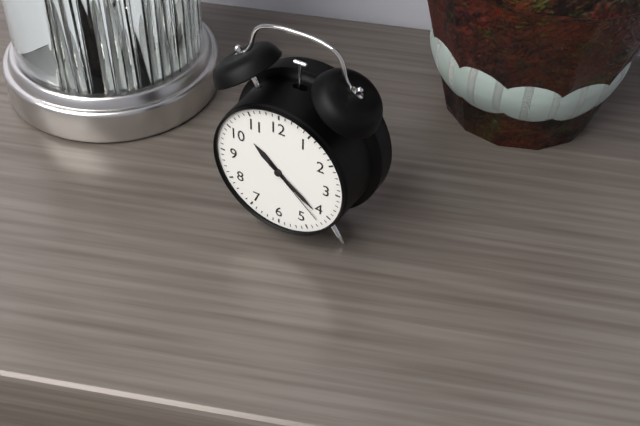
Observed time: 10:21:22
